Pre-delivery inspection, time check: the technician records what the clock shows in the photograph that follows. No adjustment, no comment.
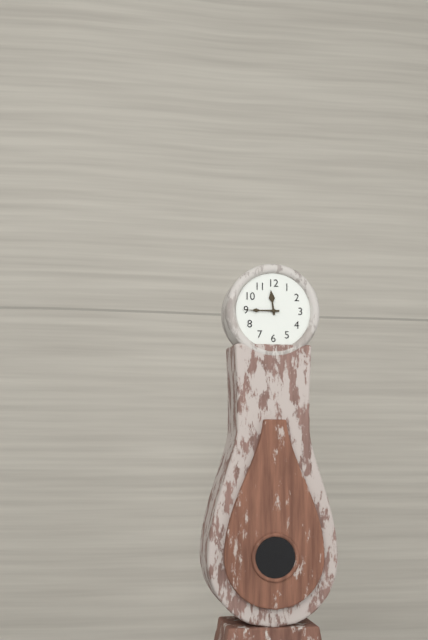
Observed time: 11:45
